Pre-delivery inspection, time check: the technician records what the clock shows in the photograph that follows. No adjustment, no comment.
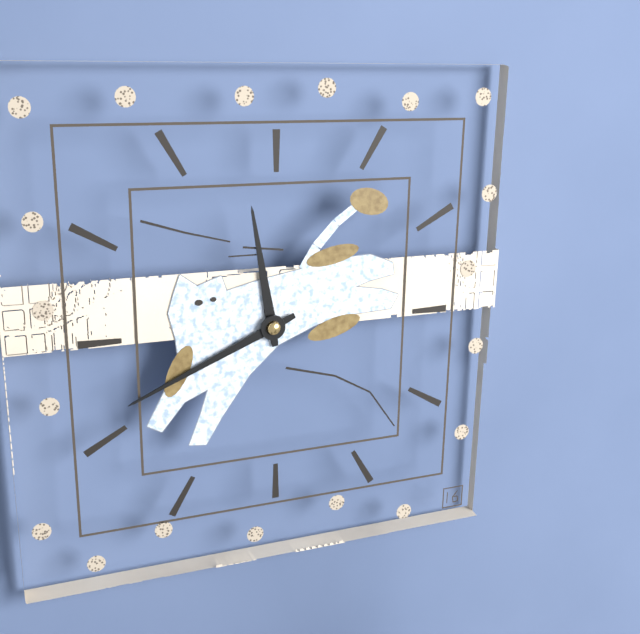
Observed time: 11:41
